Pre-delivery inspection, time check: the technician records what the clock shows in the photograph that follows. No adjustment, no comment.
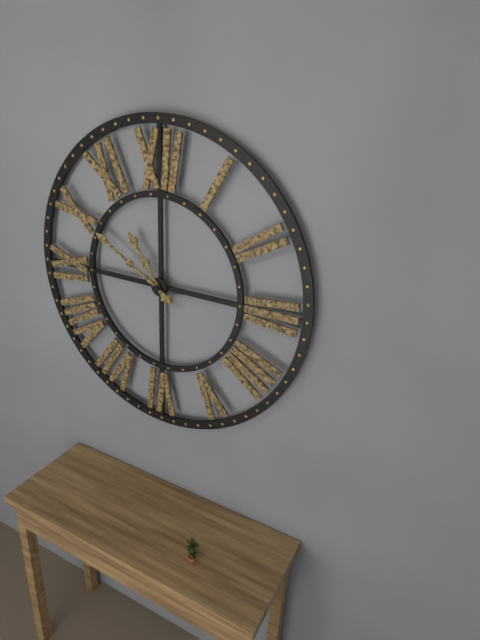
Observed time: 10:50
